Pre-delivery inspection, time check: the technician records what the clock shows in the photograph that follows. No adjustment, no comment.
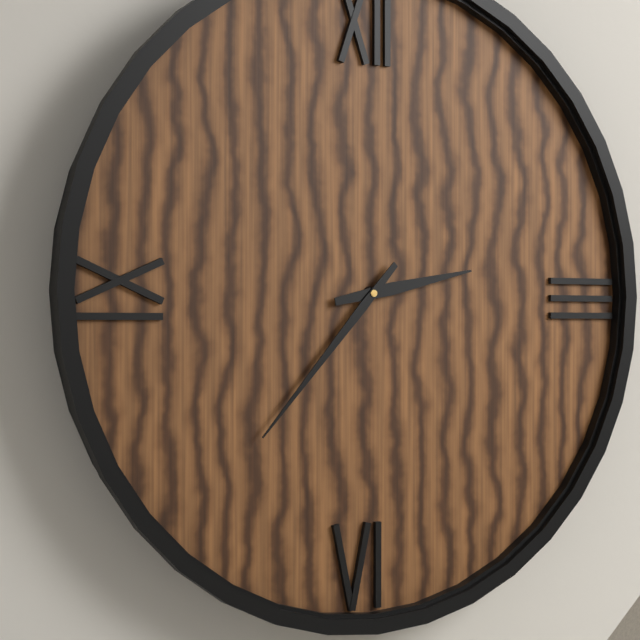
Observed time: 2:37
